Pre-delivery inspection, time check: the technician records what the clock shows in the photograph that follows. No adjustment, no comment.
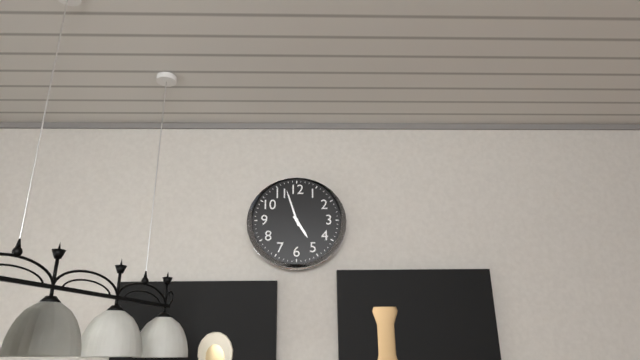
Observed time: 4:57
